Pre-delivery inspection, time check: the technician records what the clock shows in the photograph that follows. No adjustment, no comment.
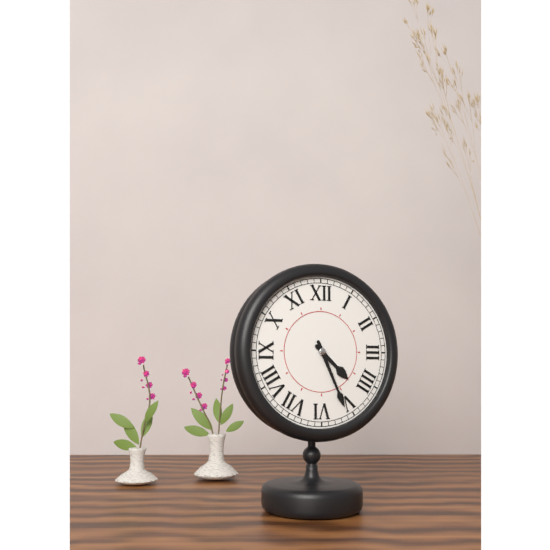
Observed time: 4:26
